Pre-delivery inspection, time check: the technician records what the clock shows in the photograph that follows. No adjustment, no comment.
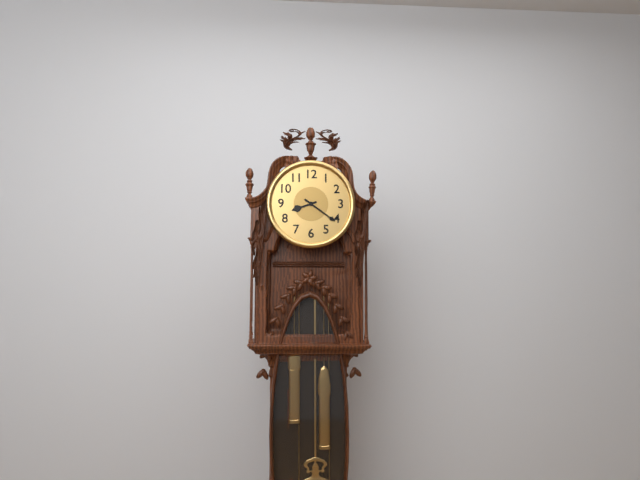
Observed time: 8:21
